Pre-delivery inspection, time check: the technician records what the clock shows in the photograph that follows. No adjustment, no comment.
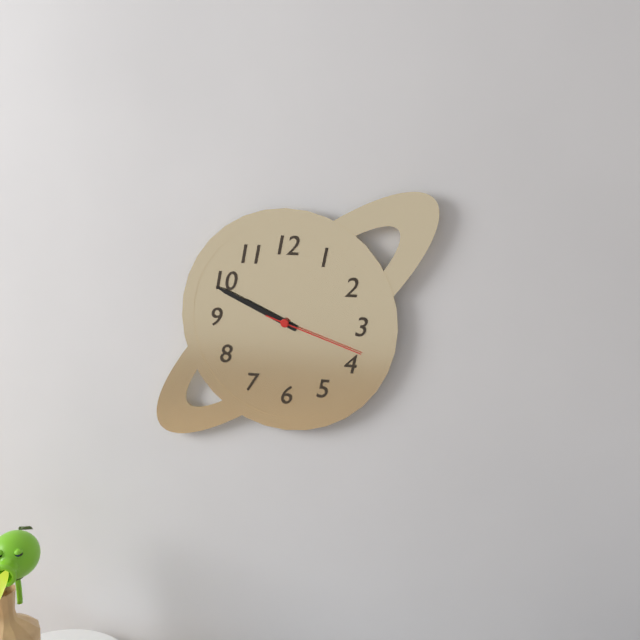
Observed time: 9:49:18
